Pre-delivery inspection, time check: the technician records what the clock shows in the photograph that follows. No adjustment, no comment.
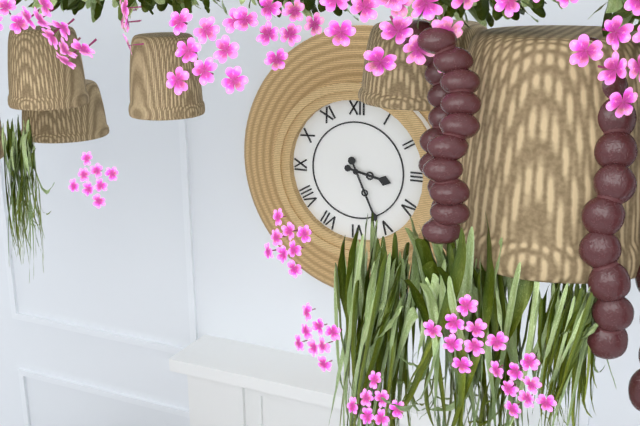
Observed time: 3:26
